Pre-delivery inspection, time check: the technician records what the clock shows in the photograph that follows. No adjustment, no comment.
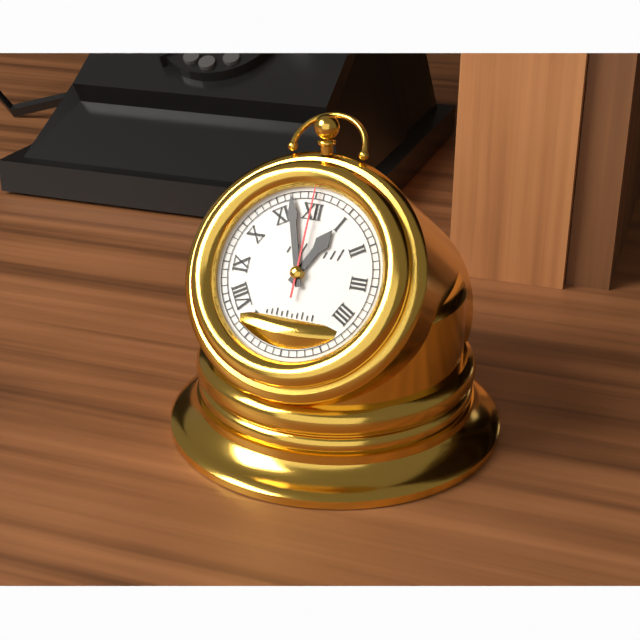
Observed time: 12:57:00
